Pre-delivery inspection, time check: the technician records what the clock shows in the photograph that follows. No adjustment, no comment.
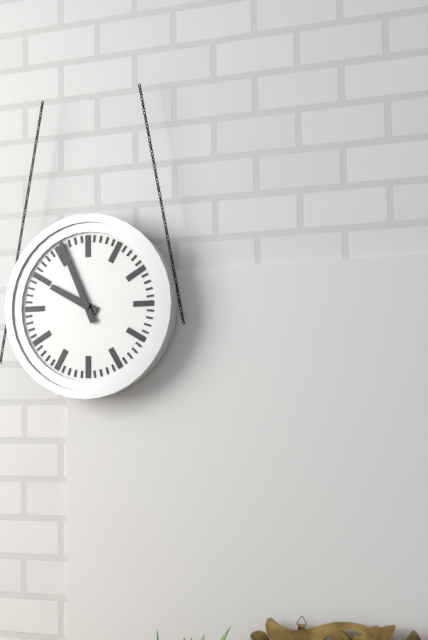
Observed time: 9:56
